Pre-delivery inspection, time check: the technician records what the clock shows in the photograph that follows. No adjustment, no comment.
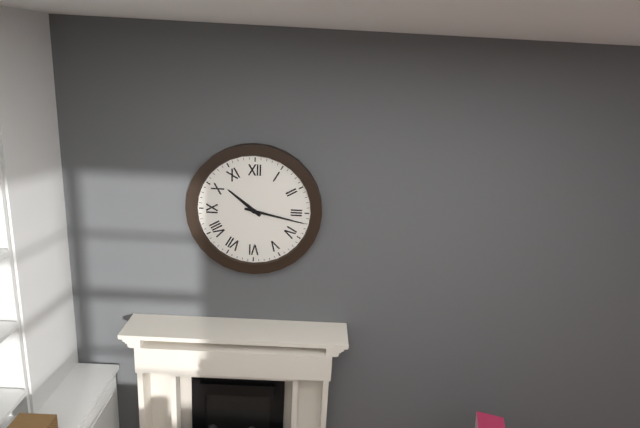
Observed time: 10:17
